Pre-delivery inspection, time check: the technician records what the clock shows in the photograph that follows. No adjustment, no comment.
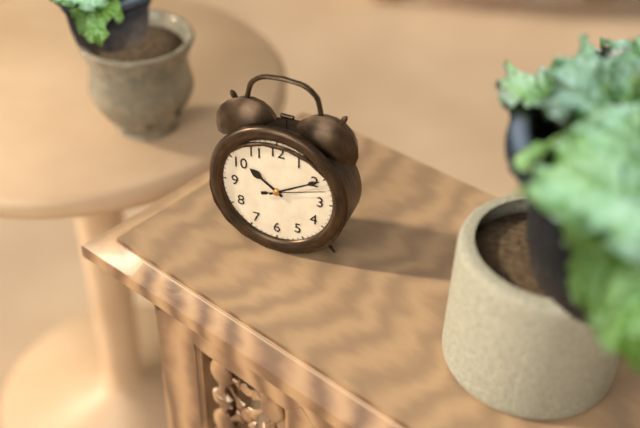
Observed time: 10:10:12
